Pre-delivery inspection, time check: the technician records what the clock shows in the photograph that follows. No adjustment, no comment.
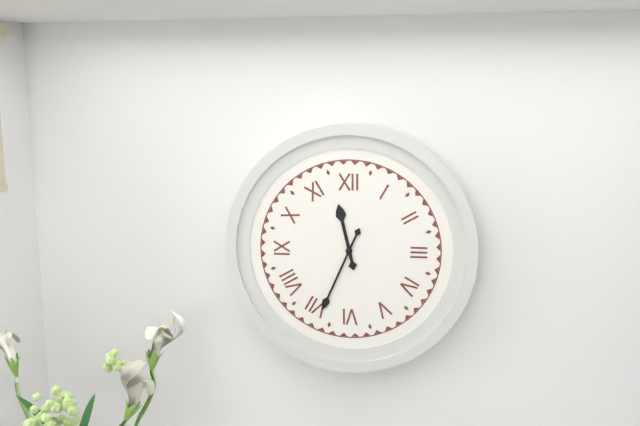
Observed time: 11:34
